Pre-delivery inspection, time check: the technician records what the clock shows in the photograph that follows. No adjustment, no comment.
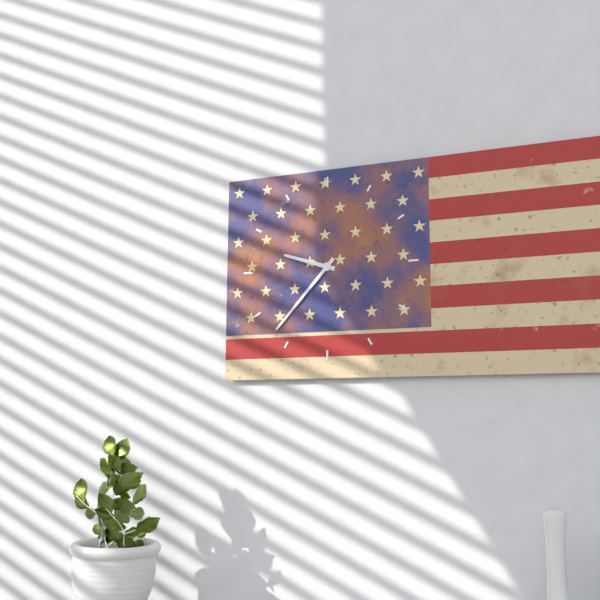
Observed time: 9:37
